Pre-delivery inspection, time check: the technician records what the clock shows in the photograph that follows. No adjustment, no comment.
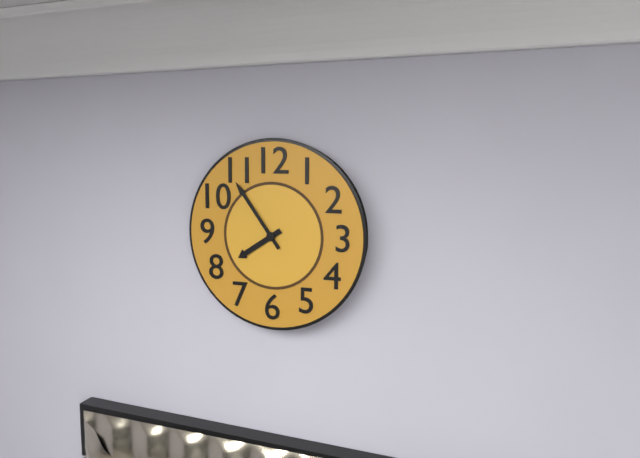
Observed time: 7:54
